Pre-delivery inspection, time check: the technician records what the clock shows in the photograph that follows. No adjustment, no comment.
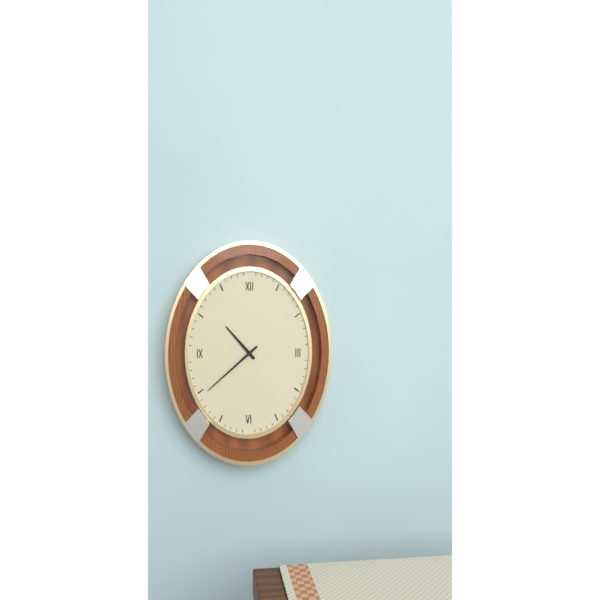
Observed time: 10:38
